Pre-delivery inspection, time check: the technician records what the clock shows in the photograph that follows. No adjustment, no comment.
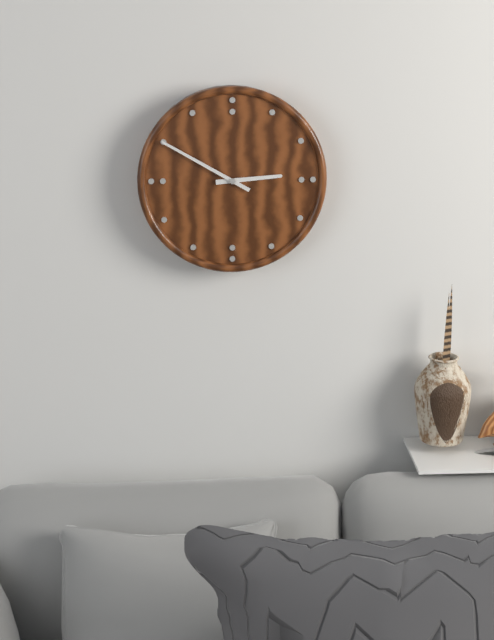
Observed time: 2:50
